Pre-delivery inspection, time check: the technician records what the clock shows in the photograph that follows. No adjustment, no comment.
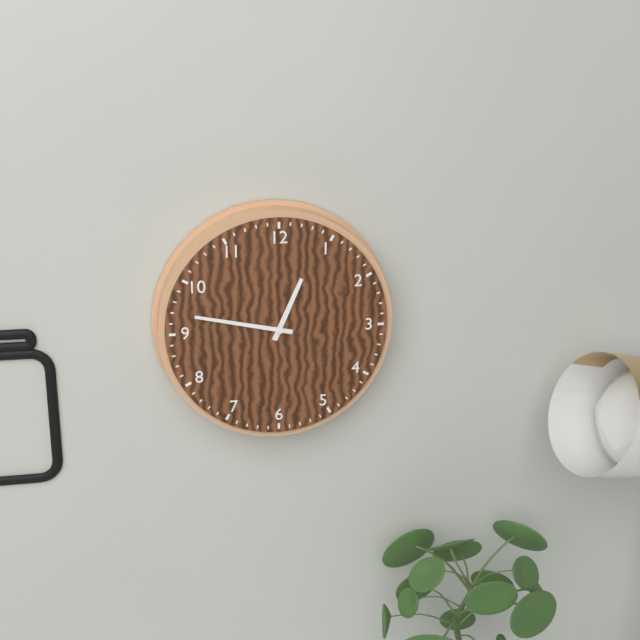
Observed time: 12:47
